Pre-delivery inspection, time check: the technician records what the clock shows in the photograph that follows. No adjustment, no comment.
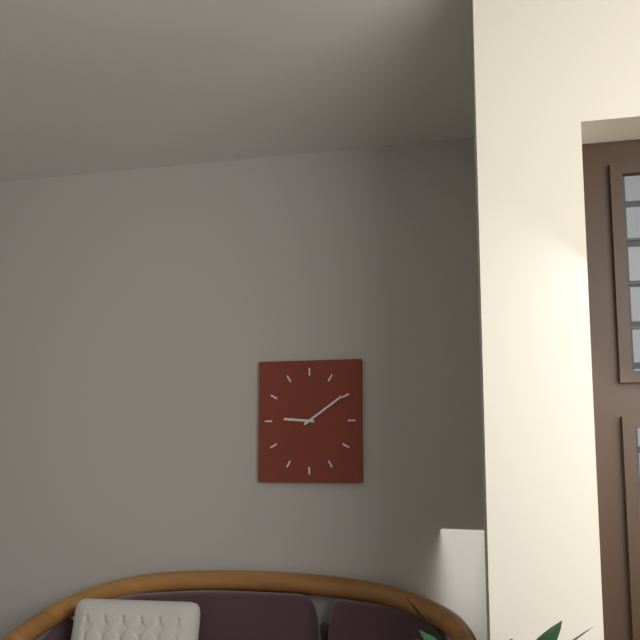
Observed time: 9:09
